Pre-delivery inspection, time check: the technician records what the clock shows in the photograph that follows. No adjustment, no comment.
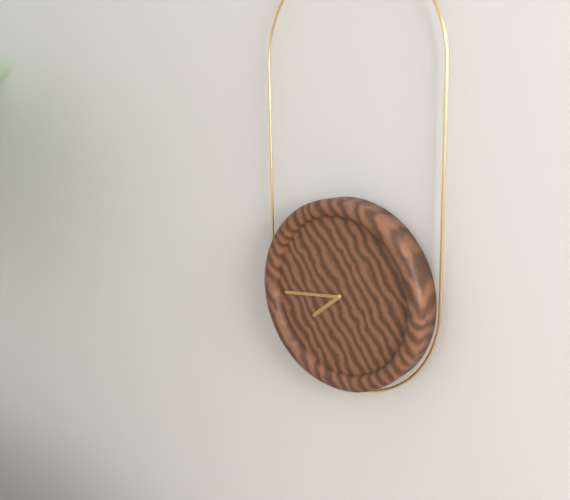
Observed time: 7:44
